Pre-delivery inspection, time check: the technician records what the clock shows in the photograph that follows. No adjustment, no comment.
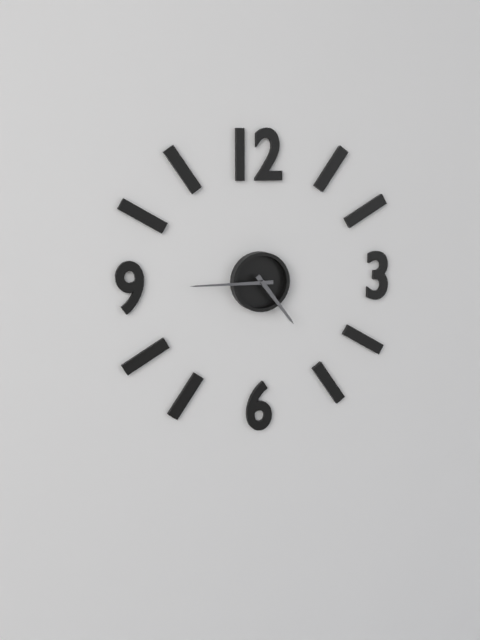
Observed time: 4:45
